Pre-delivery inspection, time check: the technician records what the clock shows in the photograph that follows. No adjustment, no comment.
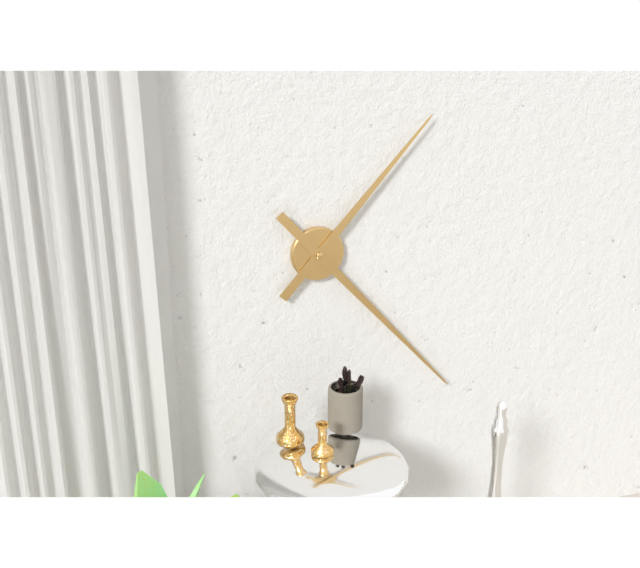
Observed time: 1:23
